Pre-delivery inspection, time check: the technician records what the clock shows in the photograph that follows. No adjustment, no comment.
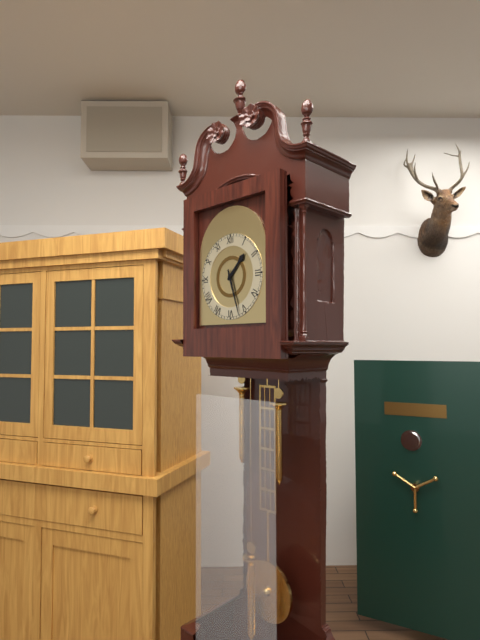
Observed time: 1:27
